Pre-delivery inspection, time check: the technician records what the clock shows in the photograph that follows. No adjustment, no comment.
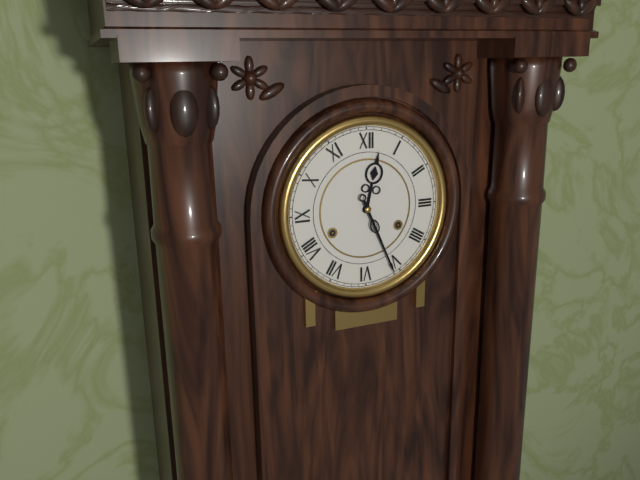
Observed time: 12:26
